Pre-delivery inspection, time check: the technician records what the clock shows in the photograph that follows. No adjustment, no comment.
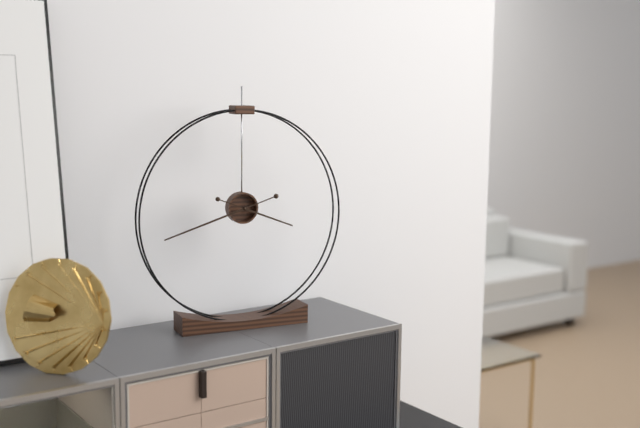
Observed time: 3:42
